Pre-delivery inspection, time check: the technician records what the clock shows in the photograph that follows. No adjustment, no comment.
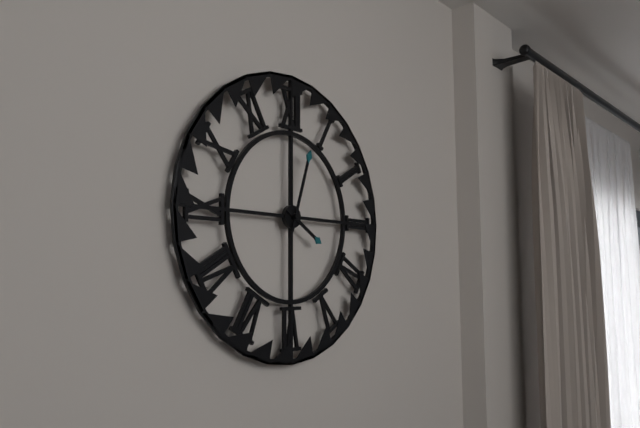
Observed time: 4:03
